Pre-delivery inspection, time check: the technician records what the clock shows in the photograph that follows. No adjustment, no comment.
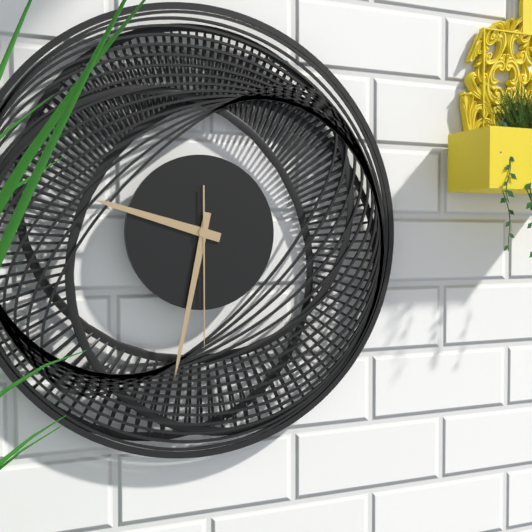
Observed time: 9:32:30
